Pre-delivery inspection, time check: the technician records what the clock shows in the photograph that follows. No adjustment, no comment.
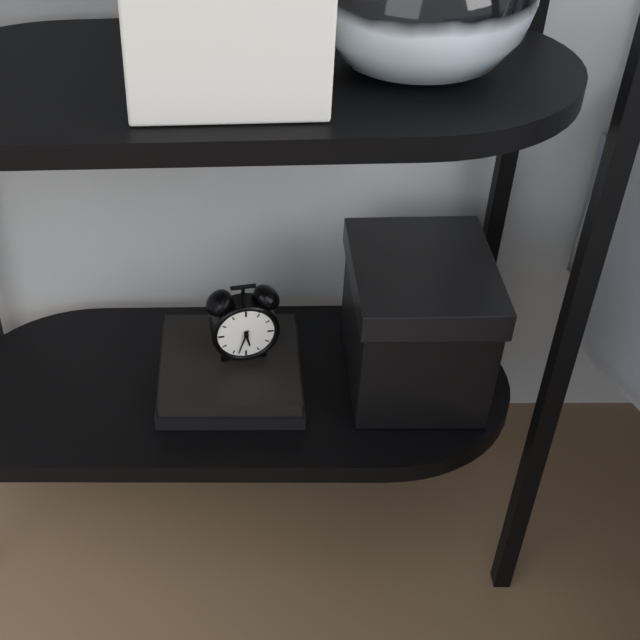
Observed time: 5:33
